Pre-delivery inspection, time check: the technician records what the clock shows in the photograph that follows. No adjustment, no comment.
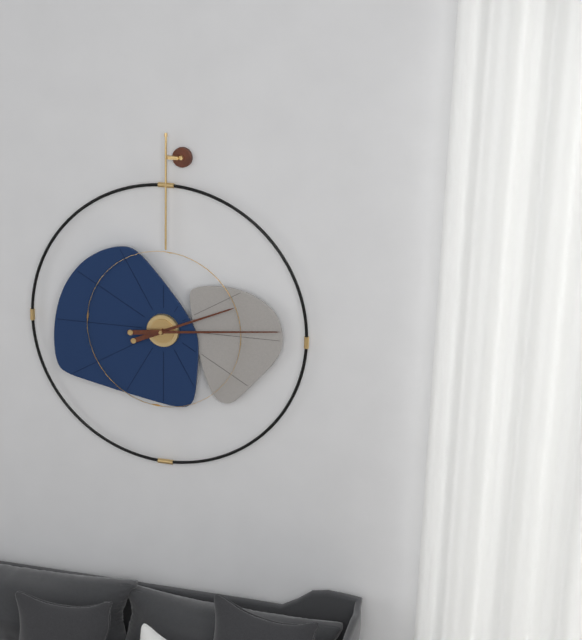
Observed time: 2:14
